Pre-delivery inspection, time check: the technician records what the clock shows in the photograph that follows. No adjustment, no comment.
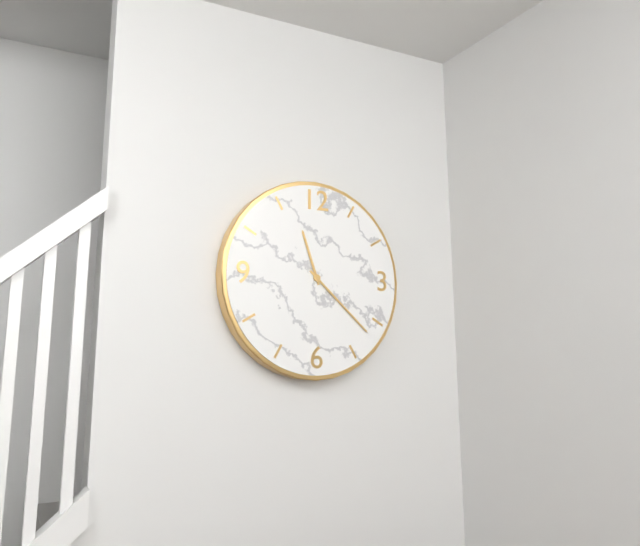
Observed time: 11:22
